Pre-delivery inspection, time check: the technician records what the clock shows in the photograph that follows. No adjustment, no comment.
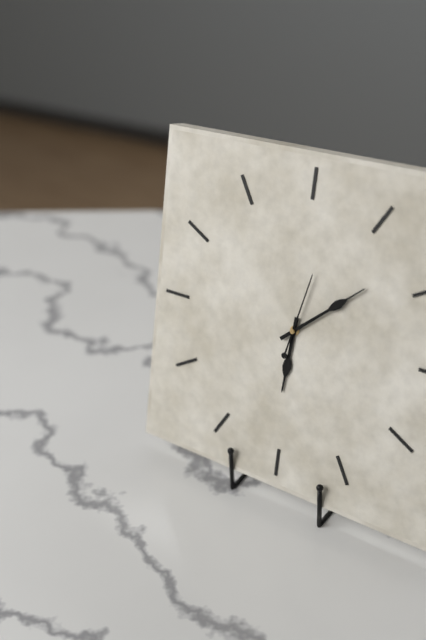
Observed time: 6:08:02
